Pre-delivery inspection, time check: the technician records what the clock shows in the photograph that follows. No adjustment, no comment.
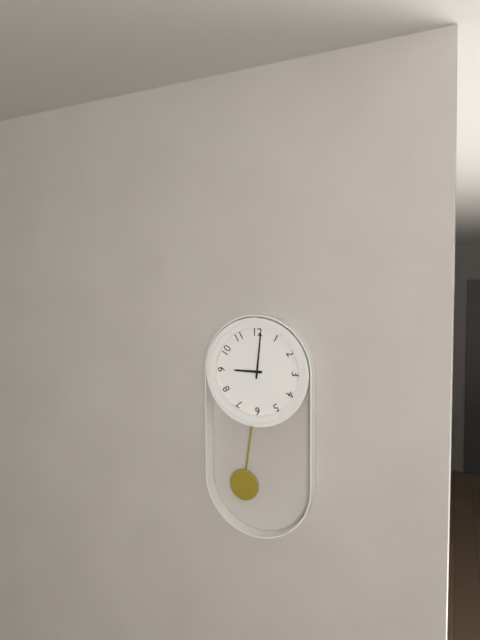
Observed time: 9:01
